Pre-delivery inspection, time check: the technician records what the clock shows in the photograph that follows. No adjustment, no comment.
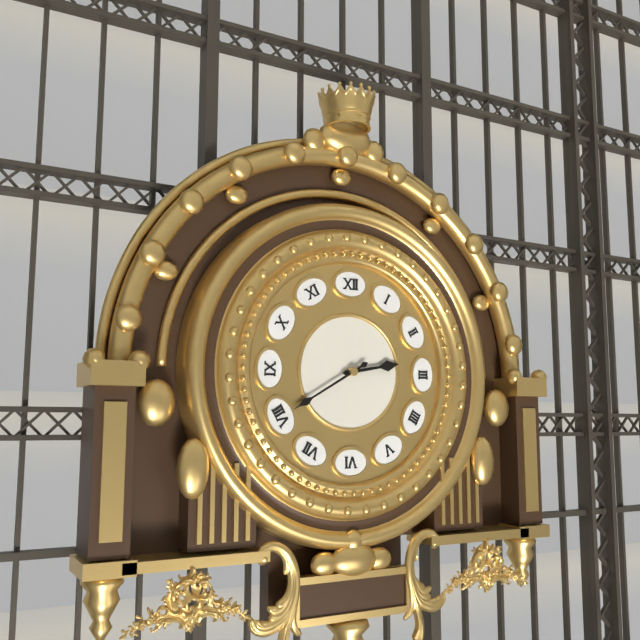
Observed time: 2:40
